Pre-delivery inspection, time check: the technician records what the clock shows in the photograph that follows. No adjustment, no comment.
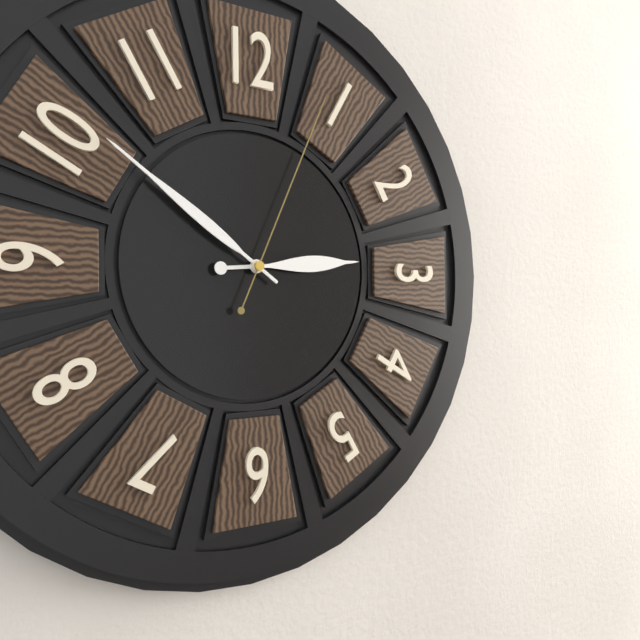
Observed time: 2:51:04
